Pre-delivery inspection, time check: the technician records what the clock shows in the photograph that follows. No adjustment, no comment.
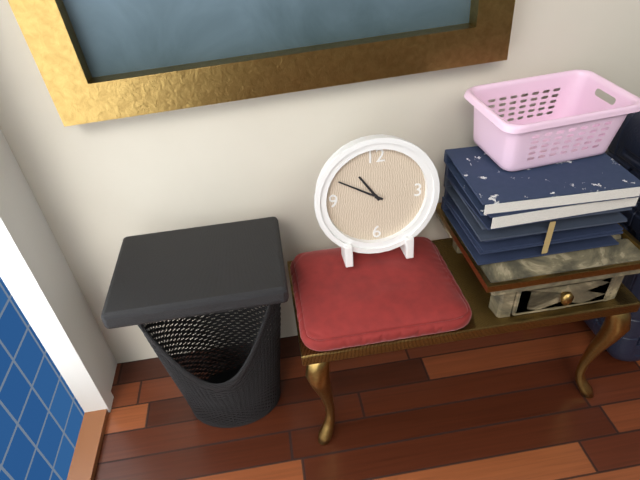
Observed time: 10:50
